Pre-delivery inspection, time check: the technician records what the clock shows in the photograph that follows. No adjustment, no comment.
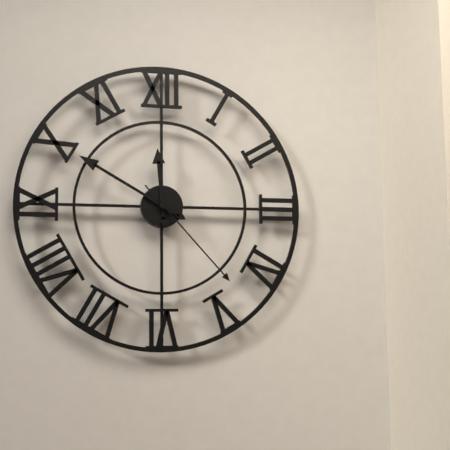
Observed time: 11:50:23
